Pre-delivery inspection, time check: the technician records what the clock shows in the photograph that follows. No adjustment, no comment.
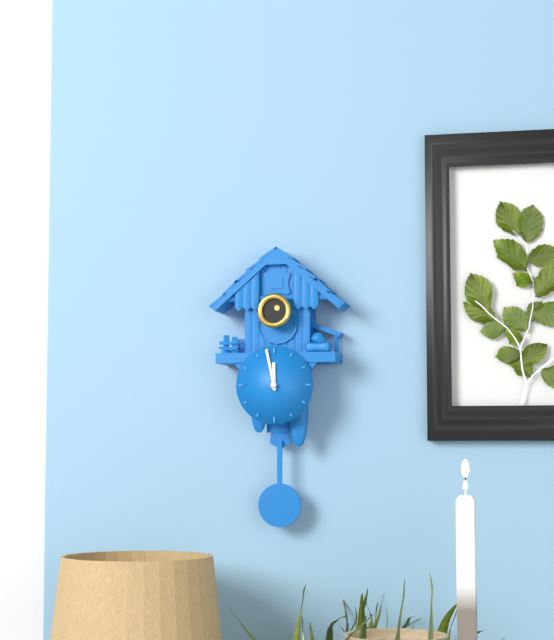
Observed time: 11:58
